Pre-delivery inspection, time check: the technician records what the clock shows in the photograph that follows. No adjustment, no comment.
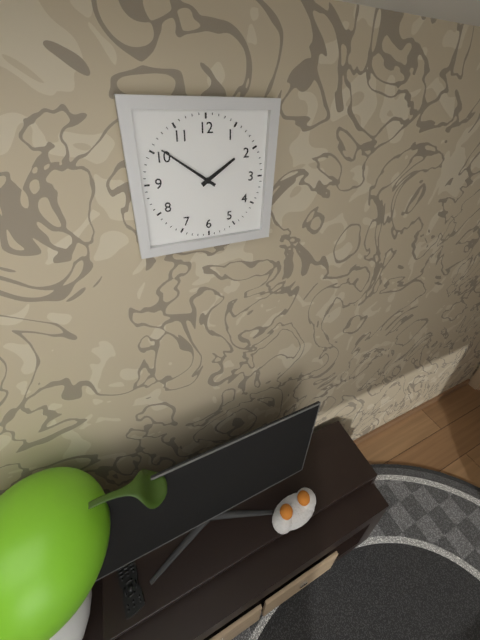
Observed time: 1:51
